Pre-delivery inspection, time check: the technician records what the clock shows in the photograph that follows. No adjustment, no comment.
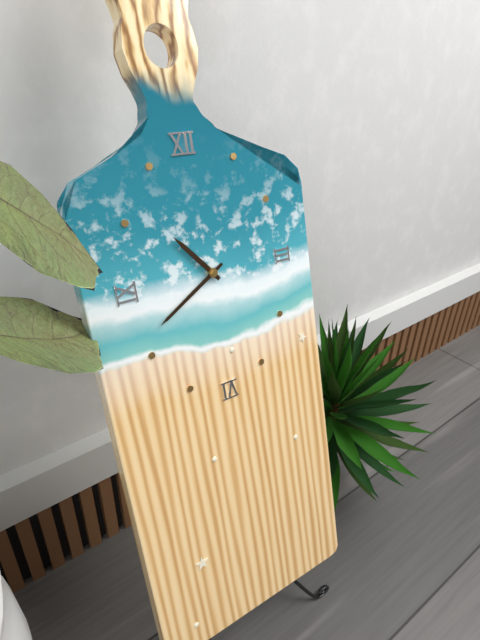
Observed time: 10:40
